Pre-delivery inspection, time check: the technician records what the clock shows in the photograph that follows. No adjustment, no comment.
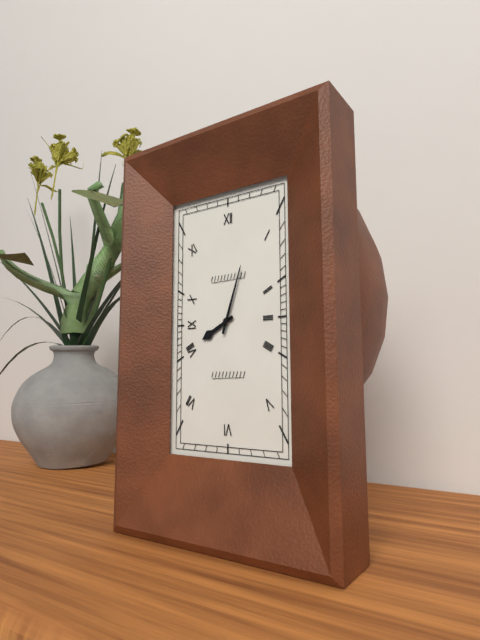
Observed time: 8:03
